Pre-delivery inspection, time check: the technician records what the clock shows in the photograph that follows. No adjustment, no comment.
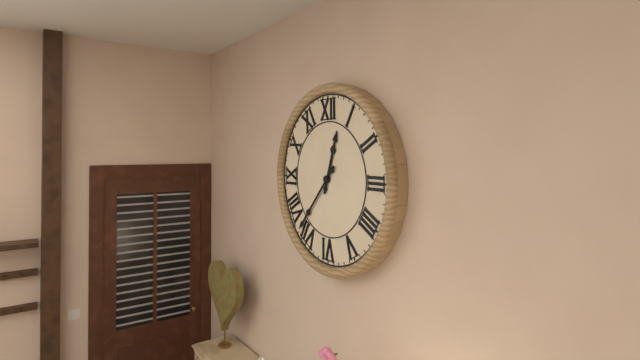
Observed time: 12:37
